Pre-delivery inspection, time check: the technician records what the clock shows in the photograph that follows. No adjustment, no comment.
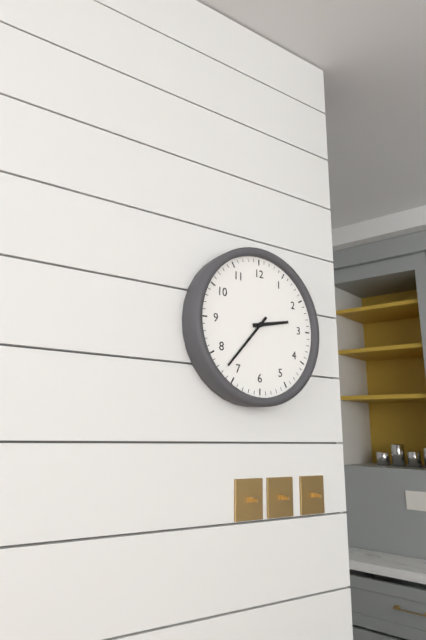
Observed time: 2:37
